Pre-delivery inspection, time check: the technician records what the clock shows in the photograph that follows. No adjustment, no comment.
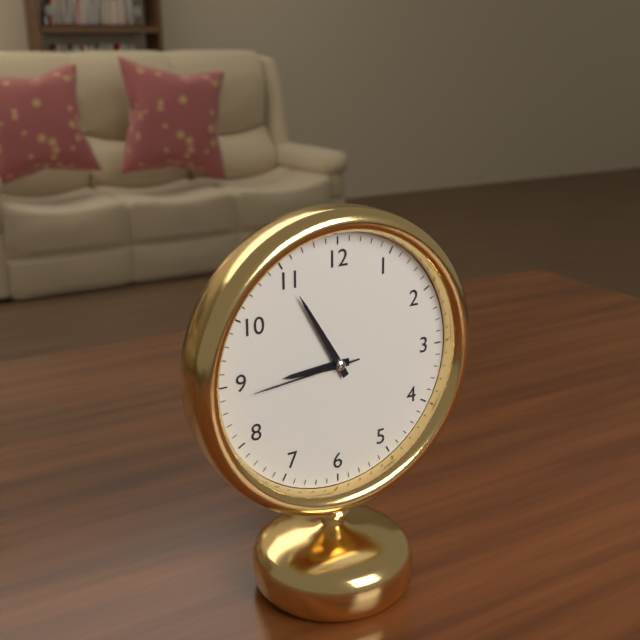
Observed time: 8:55:44
